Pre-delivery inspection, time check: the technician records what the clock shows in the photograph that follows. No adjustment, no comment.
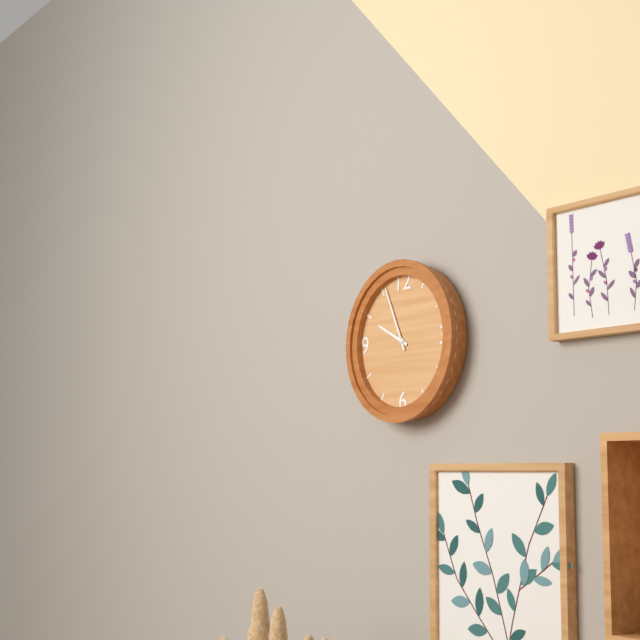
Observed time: 9:56
